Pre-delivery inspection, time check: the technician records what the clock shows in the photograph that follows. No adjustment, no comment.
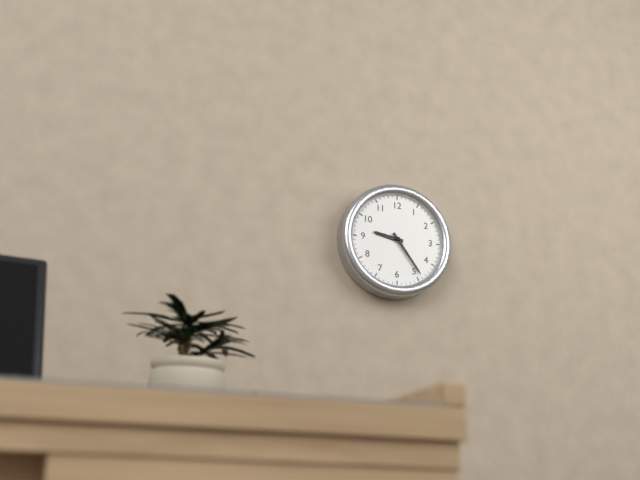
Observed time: 9:24
